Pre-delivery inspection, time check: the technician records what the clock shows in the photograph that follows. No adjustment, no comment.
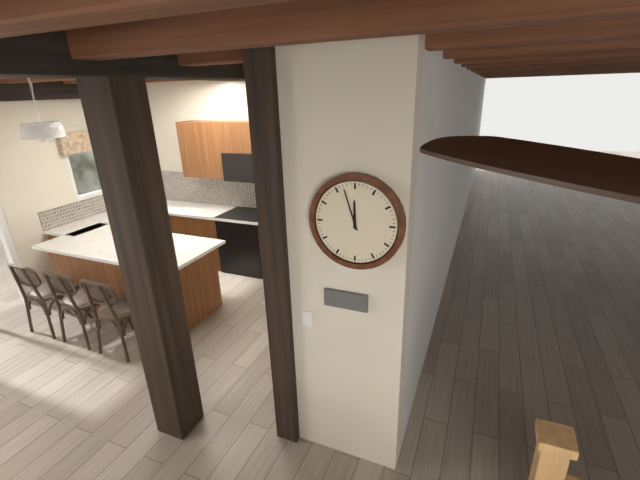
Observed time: 11:57
